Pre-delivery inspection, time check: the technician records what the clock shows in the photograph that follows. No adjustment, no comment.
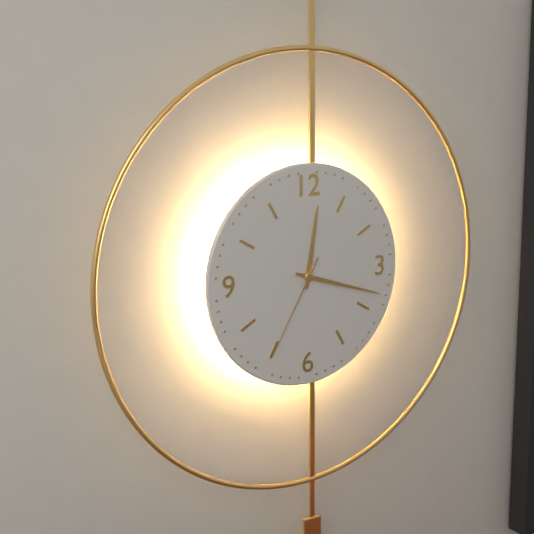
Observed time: 12:18:35
